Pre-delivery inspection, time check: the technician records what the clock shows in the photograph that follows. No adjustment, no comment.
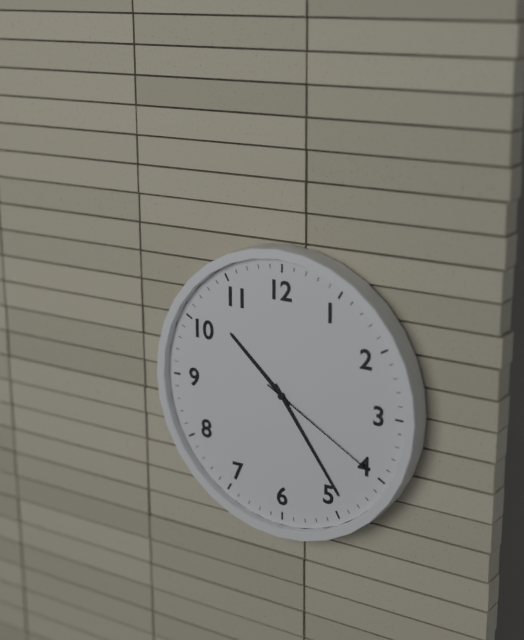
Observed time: 10:24:20
